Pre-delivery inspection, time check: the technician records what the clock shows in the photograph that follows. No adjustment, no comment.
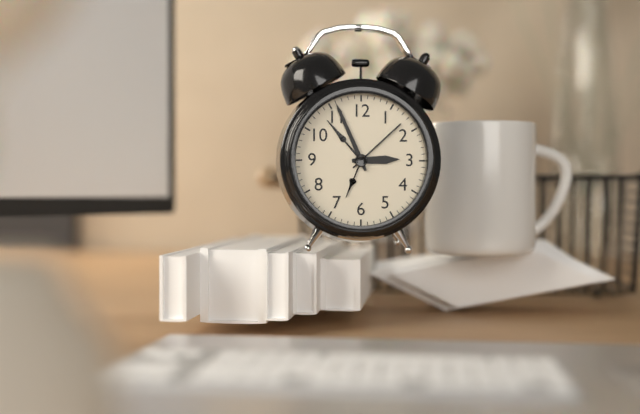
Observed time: 2:56
